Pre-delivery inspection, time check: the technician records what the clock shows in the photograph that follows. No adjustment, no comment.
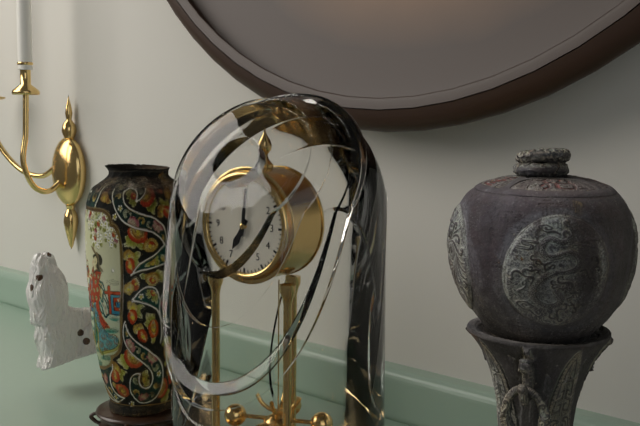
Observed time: 7:01
